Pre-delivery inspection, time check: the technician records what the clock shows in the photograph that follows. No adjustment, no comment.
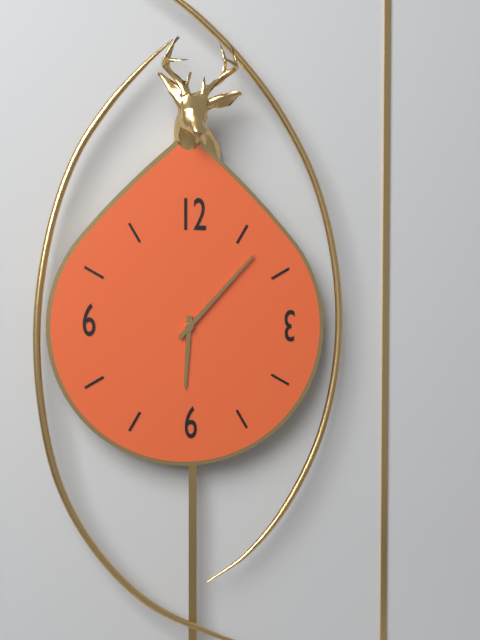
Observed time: 6:07
